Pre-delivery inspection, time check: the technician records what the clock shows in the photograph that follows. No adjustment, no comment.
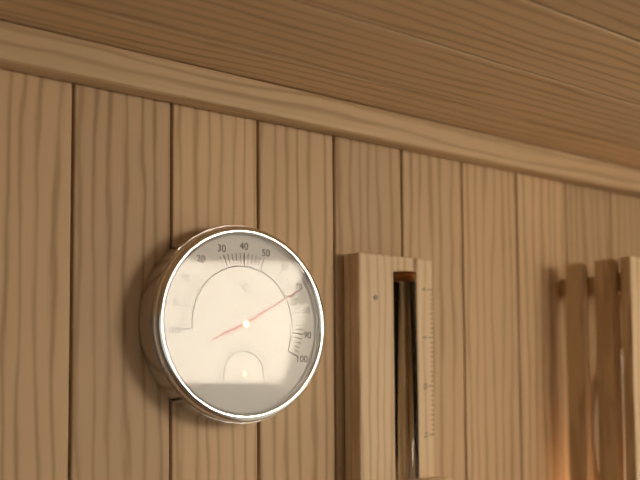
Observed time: 8:10
